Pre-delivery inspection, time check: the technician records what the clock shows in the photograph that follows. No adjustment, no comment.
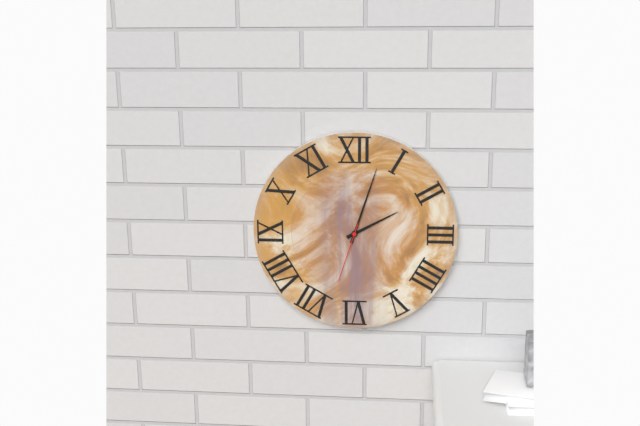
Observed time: 2:03:33
